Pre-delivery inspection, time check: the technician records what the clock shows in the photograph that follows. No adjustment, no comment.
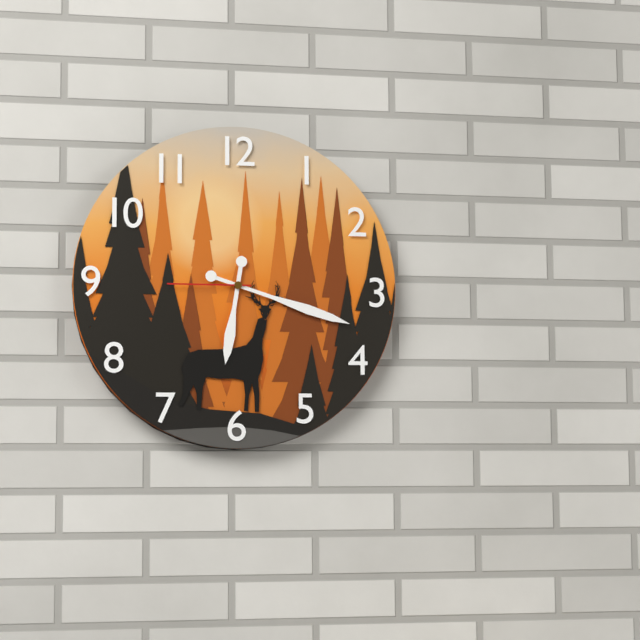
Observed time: 6:18:45
